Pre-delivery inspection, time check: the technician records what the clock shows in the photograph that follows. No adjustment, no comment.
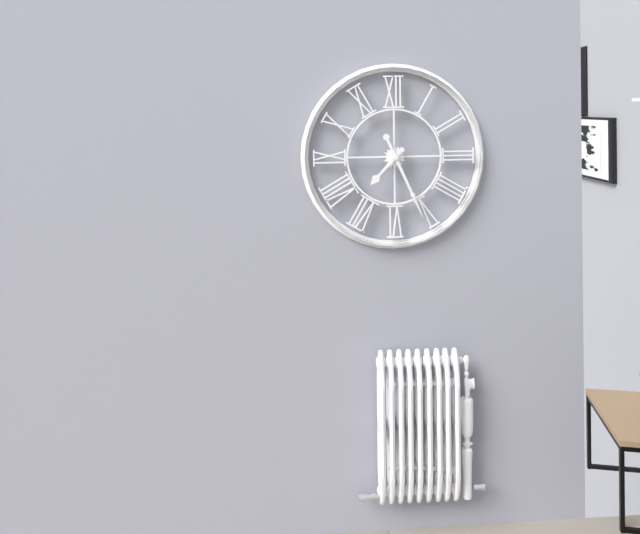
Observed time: 7:26
